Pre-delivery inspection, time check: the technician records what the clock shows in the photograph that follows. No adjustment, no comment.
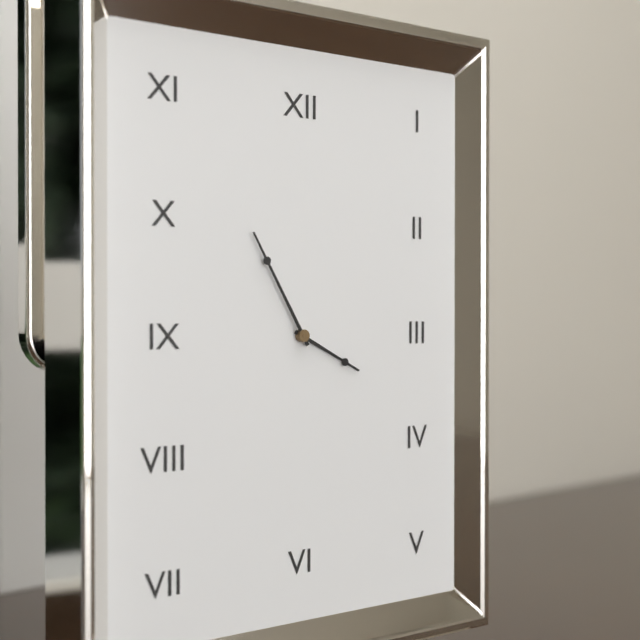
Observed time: 3:55
